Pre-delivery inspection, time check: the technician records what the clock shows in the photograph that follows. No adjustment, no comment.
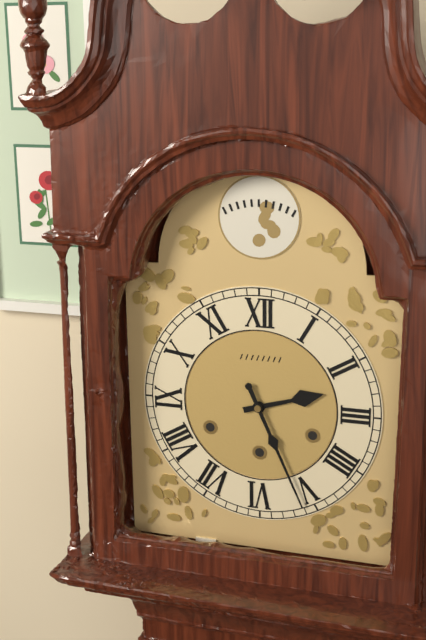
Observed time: 2:26
